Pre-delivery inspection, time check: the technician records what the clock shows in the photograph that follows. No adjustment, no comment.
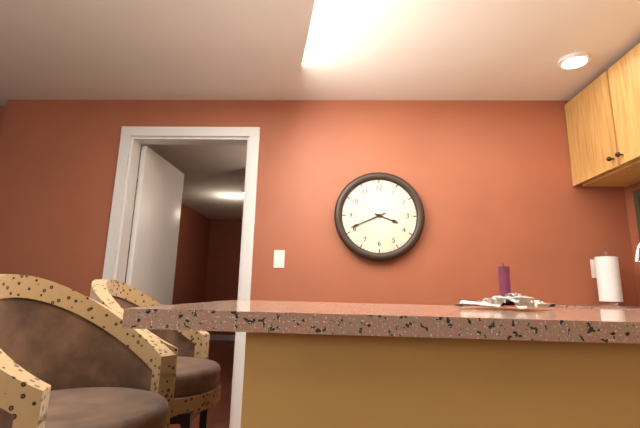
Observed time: 3:41
